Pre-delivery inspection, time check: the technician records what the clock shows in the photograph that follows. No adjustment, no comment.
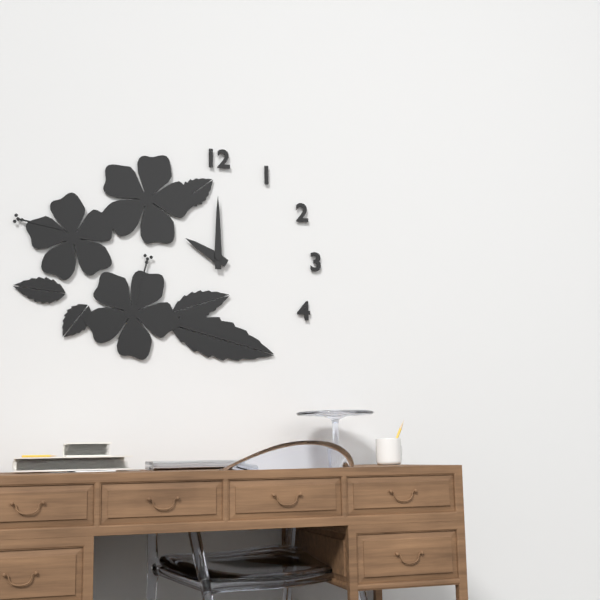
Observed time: 10:00
